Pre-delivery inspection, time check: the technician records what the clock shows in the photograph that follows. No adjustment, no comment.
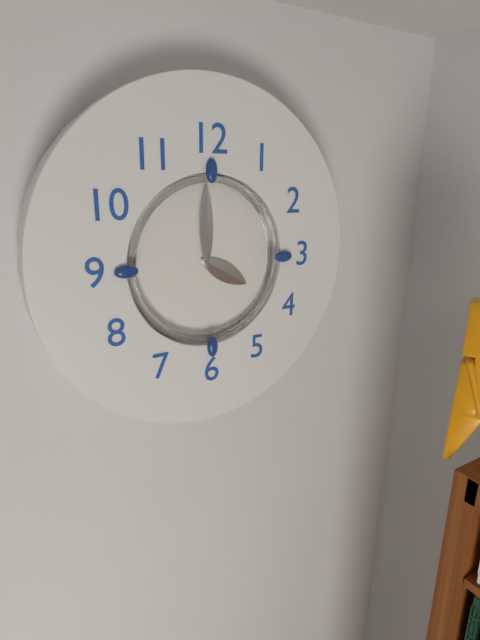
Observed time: 4:00
